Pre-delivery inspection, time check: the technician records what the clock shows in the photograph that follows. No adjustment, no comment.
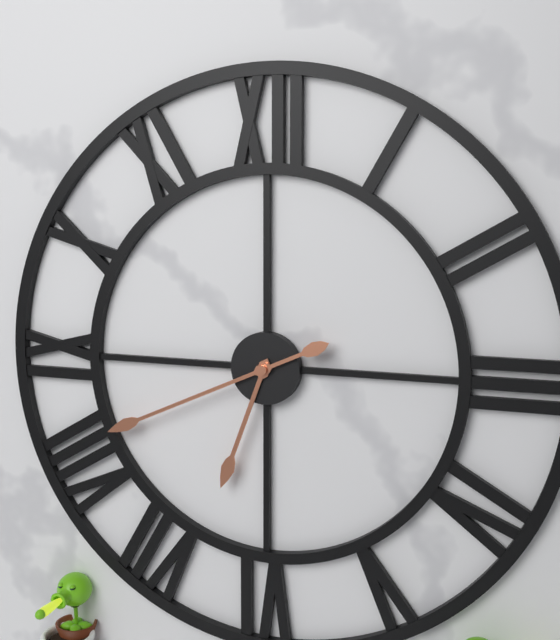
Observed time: 6:41
